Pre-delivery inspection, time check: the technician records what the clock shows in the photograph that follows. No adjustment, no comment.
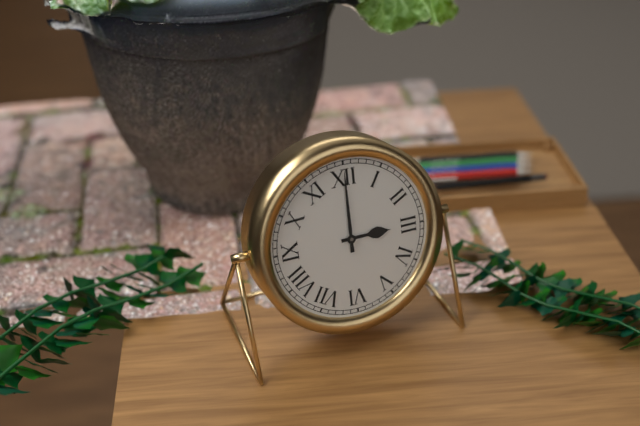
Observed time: 3:00
